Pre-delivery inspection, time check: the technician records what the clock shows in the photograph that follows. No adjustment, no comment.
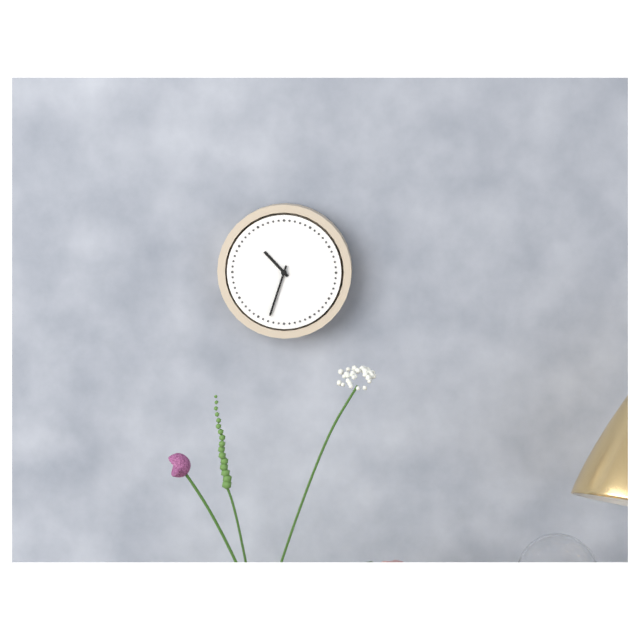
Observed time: 10:33
